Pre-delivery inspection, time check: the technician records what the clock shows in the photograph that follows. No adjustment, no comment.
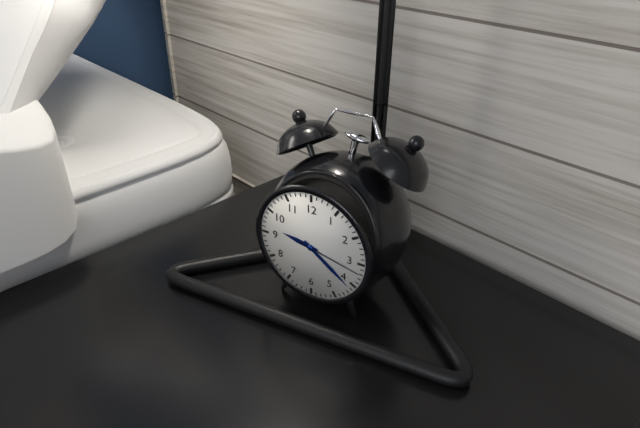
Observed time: 9:21:17
